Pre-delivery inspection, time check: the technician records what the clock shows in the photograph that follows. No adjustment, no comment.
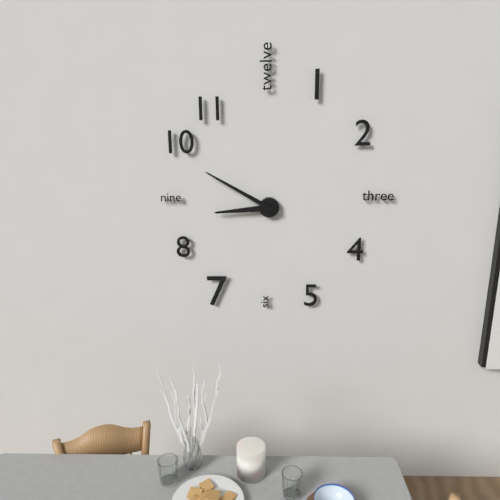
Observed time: 8:50
